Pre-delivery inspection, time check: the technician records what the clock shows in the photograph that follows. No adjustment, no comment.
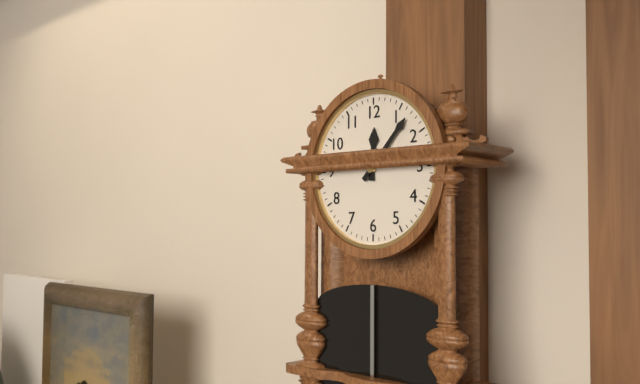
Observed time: 12:07
